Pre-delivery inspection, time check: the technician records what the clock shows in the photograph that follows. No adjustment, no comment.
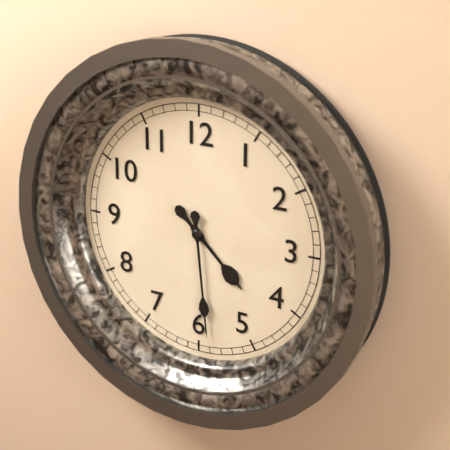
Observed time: 4:29
